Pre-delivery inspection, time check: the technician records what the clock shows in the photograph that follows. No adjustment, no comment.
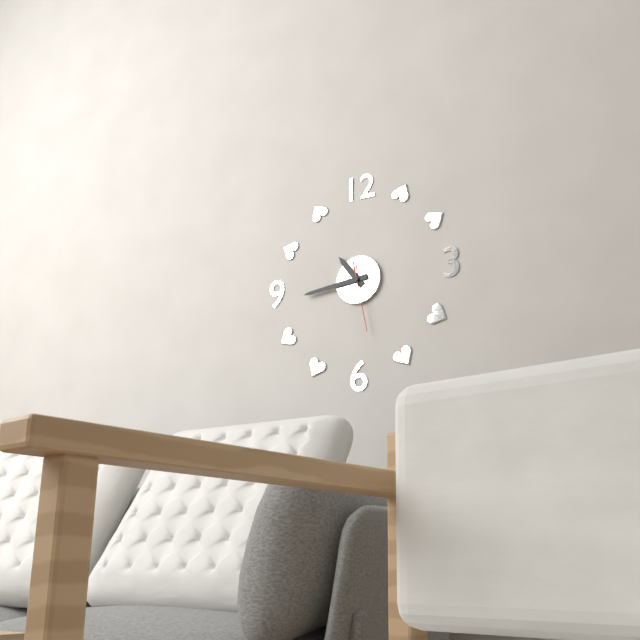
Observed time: 10:44:28
